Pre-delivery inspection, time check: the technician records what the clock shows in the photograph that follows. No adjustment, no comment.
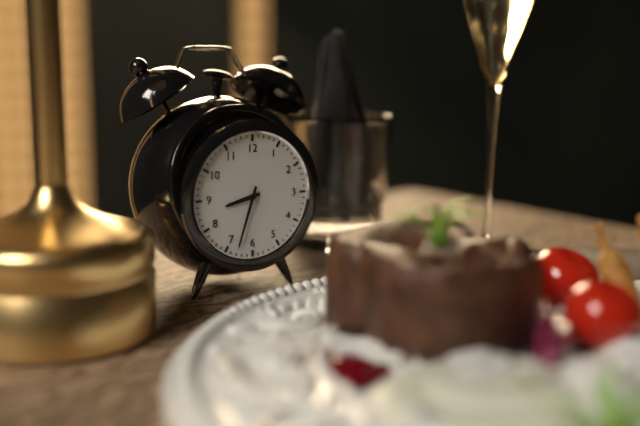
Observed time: 8:33
